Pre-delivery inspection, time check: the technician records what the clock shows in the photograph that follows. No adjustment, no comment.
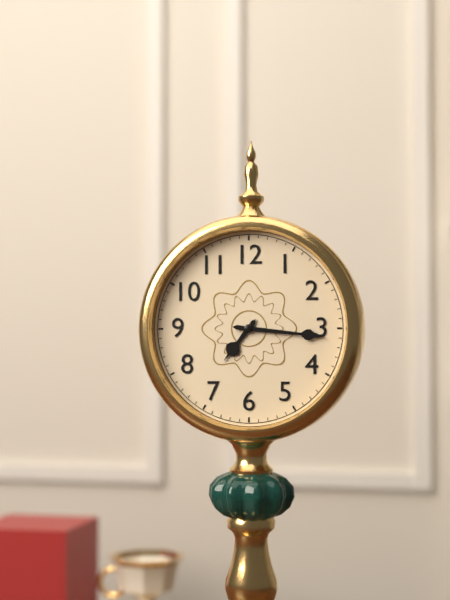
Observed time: 7:16
